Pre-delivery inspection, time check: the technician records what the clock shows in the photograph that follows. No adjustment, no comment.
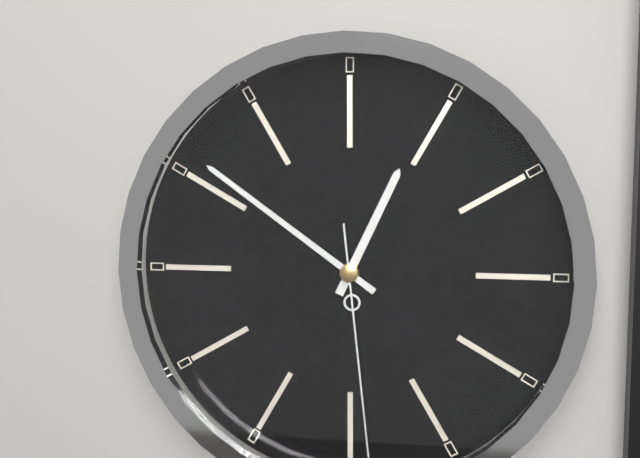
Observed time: 12:51
